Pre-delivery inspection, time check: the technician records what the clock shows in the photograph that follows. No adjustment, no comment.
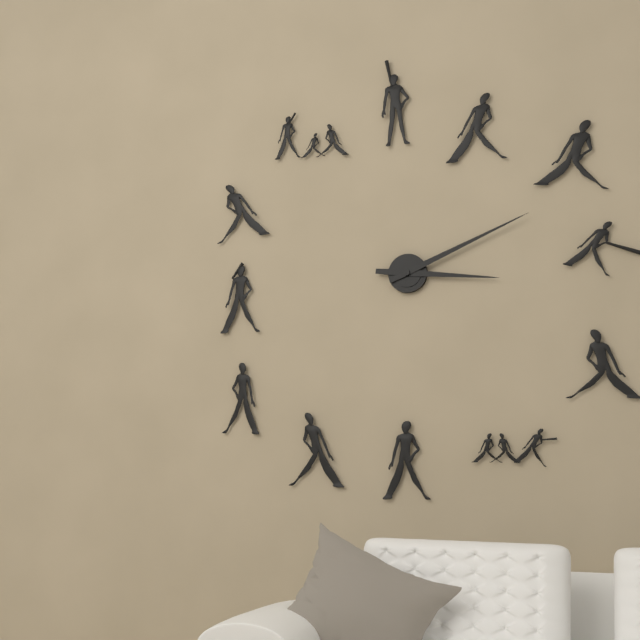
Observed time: 3:11
